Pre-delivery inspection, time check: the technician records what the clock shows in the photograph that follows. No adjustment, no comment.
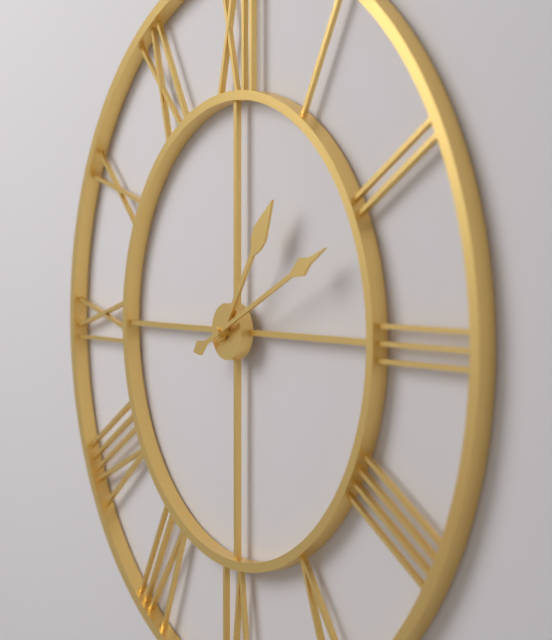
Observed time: 1:11
